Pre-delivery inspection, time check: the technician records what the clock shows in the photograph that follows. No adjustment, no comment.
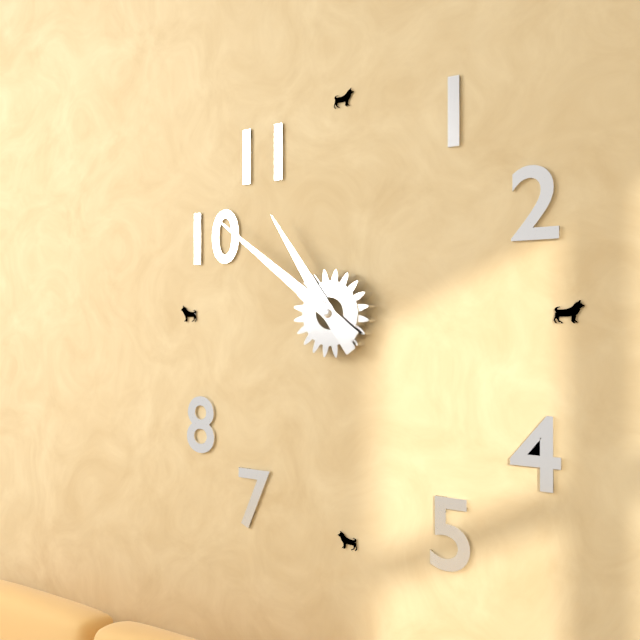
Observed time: 10:51
